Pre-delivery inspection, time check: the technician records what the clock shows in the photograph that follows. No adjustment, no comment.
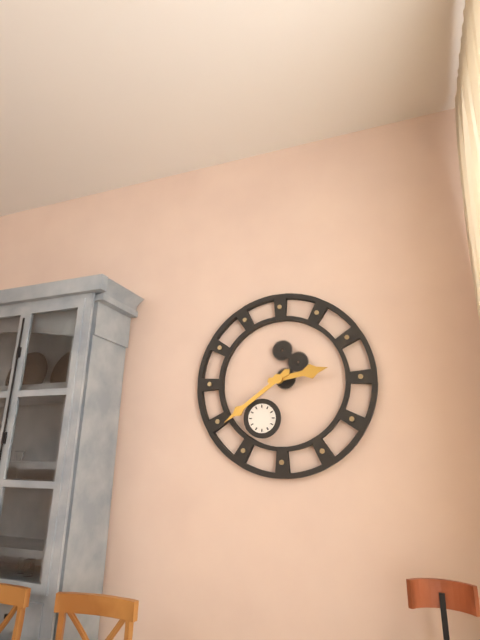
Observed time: 2:39
